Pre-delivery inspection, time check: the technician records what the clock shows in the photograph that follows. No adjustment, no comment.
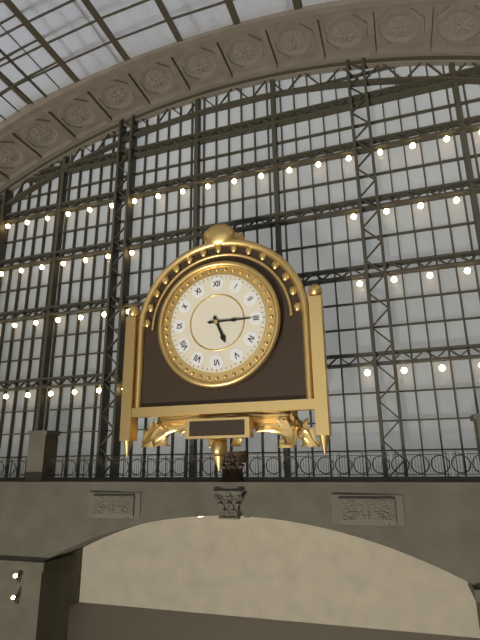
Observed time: 5:15
